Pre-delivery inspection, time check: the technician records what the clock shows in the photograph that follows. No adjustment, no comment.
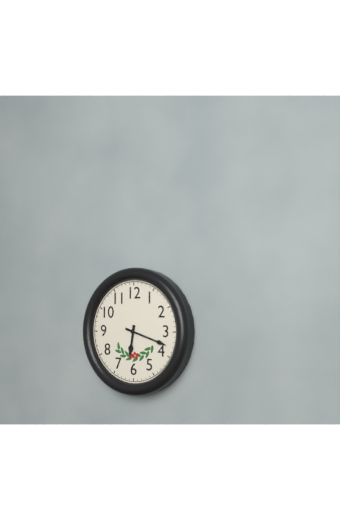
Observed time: 6:18
